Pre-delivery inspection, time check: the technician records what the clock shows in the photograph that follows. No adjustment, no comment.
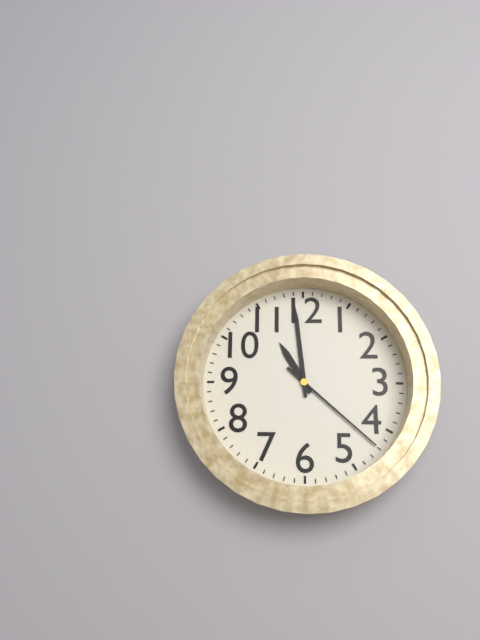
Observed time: 10:59:22
